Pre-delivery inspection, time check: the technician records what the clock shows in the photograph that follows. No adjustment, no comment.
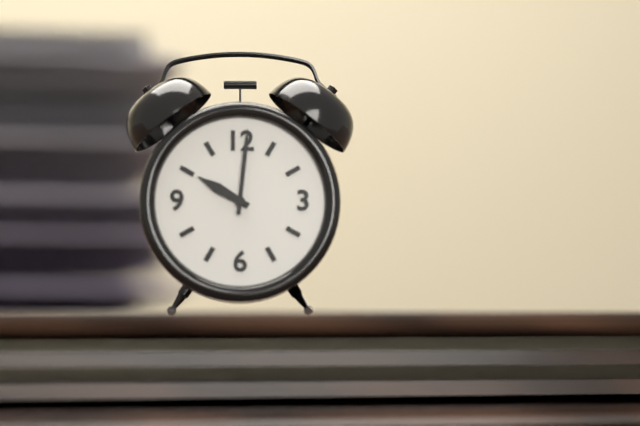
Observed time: 10:01
